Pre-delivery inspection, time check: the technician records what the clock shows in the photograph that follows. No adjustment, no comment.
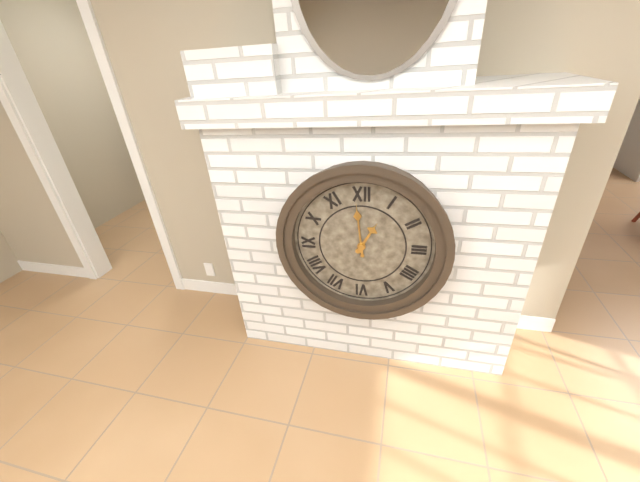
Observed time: 12:59
